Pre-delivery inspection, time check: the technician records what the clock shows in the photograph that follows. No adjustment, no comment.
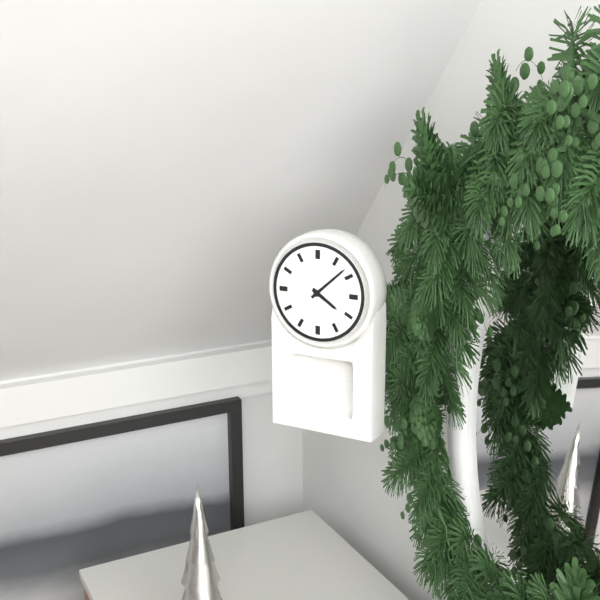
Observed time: 4:08
